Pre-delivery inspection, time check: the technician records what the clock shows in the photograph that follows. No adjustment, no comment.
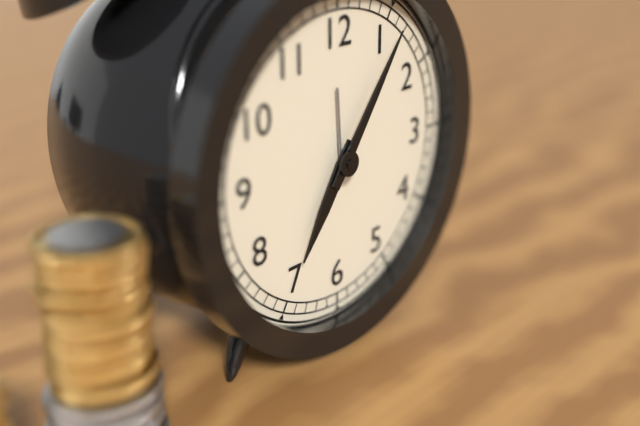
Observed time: 7:06
